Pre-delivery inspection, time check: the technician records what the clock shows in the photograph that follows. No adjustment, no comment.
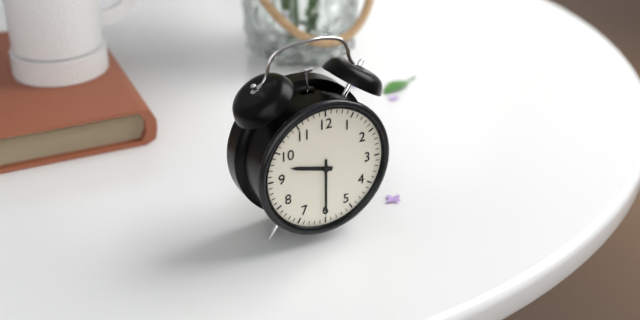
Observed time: 9:30
